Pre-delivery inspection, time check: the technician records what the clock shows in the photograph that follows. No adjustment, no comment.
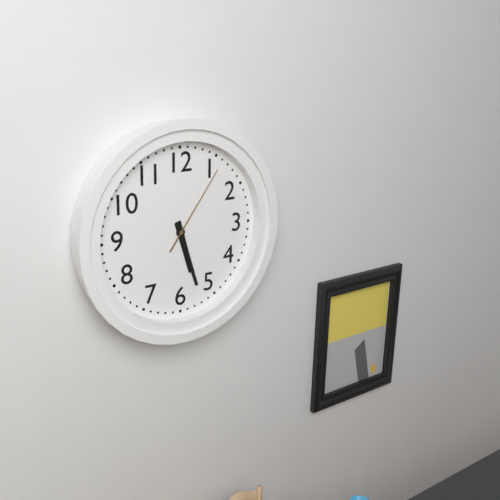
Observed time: 5:27:06
